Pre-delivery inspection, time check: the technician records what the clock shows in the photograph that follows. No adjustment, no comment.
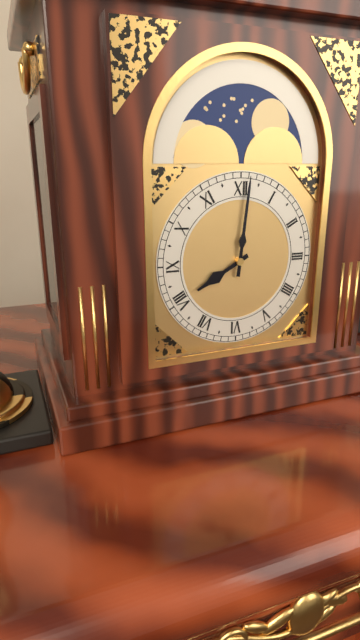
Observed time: 8:01
